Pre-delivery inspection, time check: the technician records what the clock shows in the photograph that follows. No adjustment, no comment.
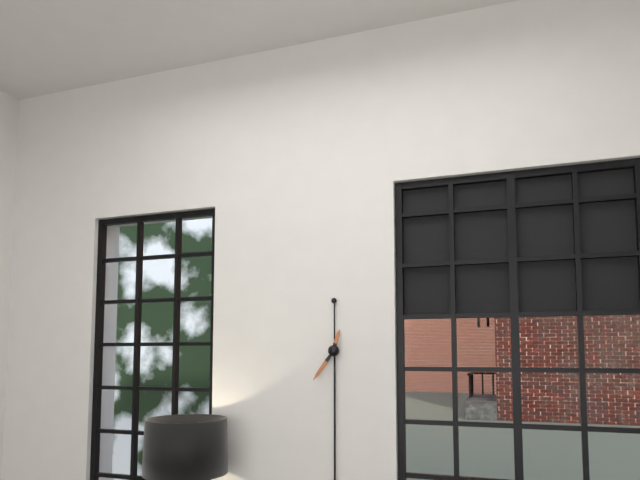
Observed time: 12:36
